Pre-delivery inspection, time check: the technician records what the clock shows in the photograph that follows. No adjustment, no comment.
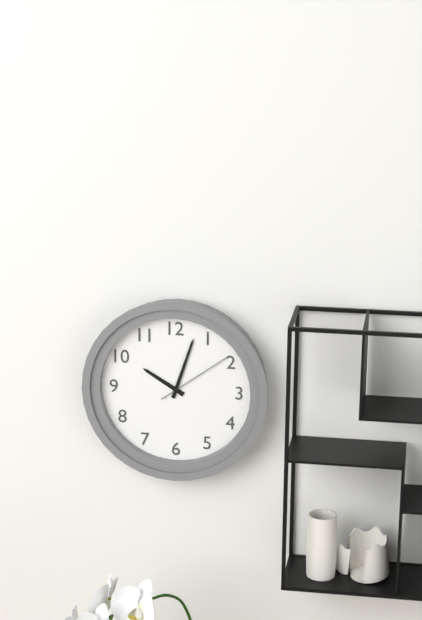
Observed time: 10:03:09
